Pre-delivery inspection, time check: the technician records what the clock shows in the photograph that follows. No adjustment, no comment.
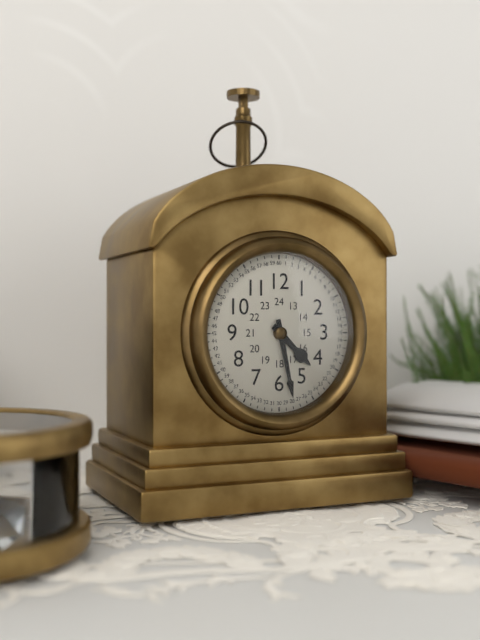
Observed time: 4:28
